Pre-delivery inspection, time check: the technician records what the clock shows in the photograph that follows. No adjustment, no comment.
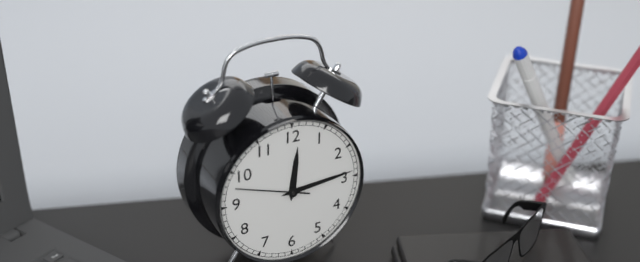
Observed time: 12:14:48
